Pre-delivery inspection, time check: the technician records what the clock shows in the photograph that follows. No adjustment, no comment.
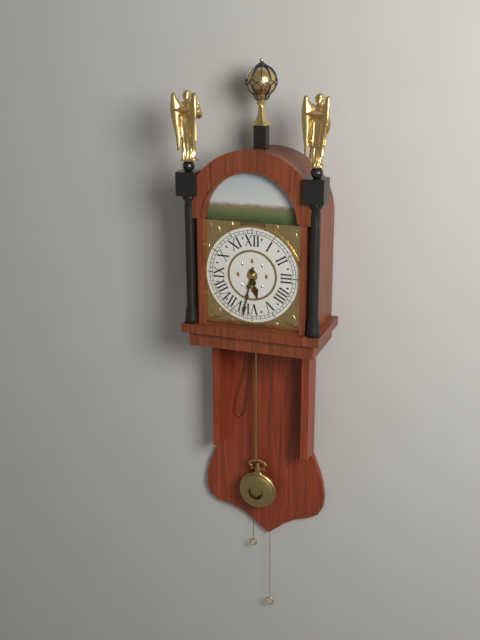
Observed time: 5:32
